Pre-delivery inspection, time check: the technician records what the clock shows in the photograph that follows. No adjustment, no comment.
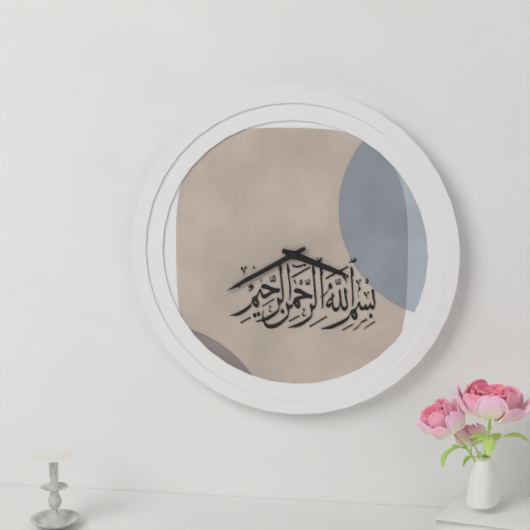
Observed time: 3:40
